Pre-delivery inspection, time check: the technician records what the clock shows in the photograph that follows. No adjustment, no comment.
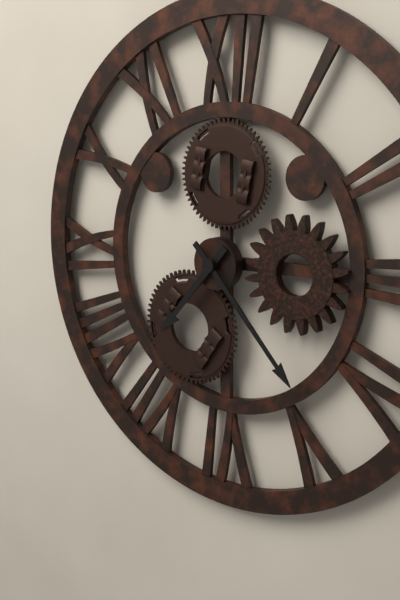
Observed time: 7:23
